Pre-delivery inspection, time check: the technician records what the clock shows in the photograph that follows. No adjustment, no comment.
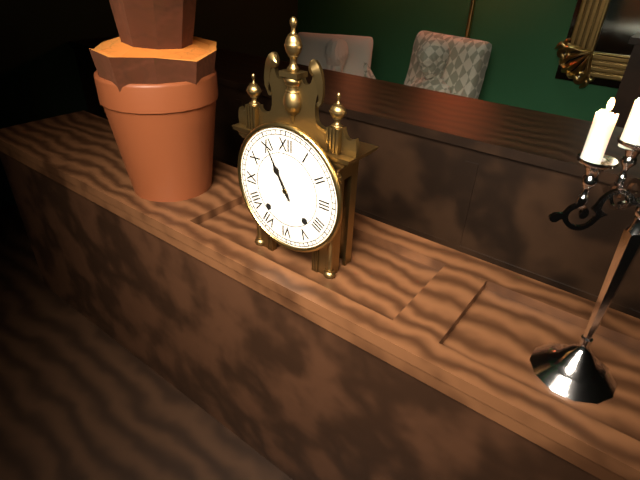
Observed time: 10:55
